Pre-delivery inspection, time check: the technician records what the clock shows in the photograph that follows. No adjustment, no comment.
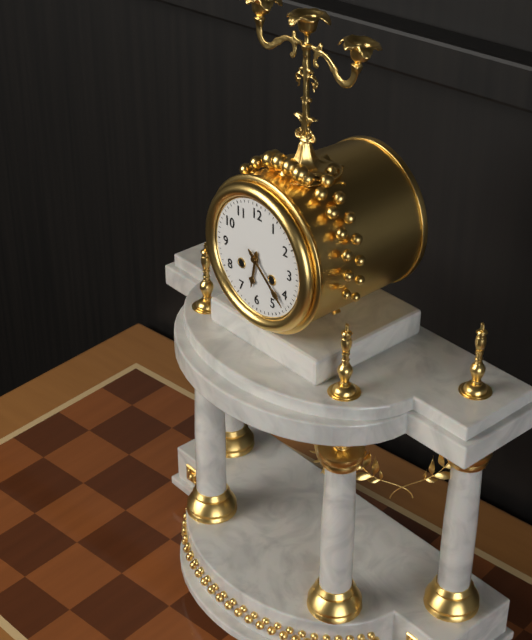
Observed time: 6:22
